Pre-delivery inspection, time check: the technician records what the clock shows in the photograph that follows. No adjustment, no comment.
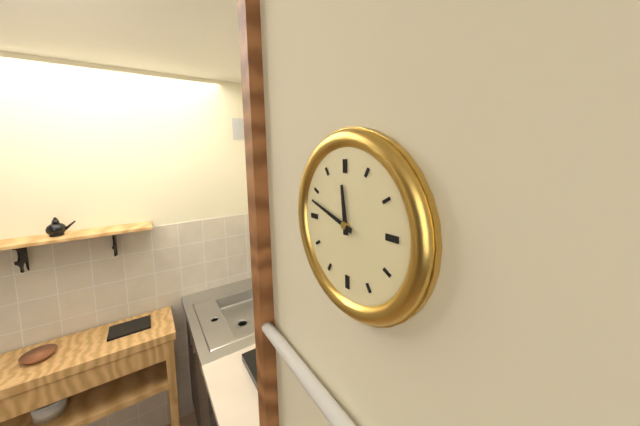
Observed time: 11:48
